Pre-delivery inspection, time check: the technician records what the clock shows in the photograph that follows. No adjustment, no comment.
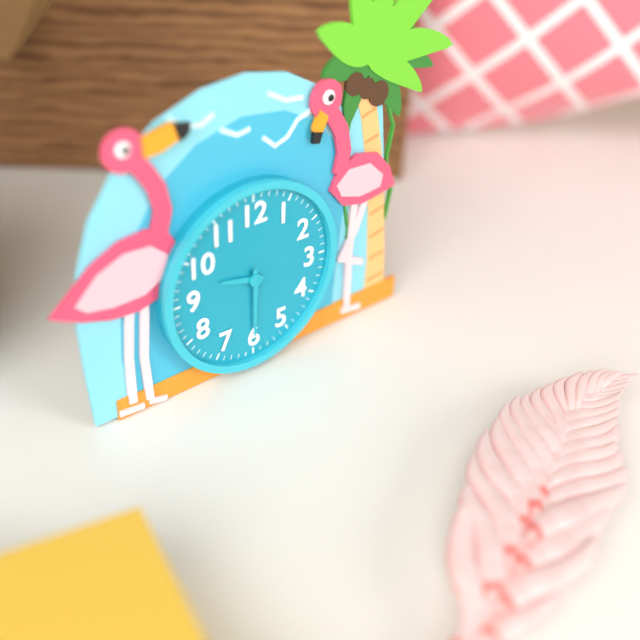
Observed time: 9:30
